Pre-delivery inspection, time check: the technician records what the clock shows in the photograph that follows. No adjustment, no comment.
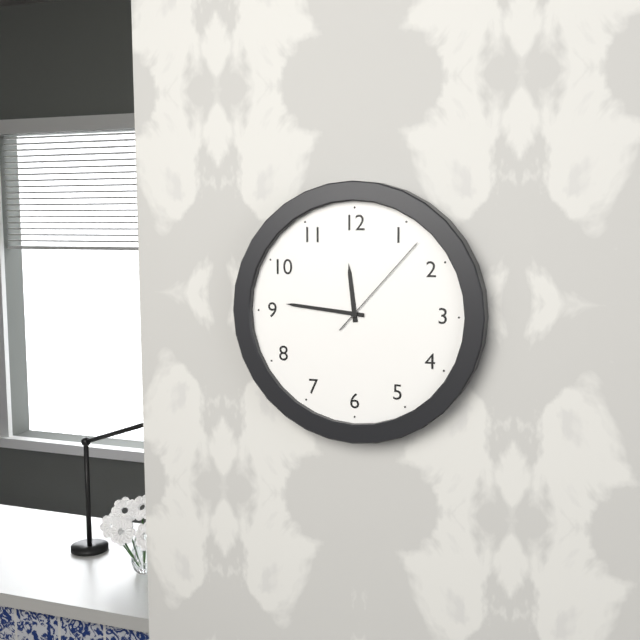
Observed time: 11:46:07
